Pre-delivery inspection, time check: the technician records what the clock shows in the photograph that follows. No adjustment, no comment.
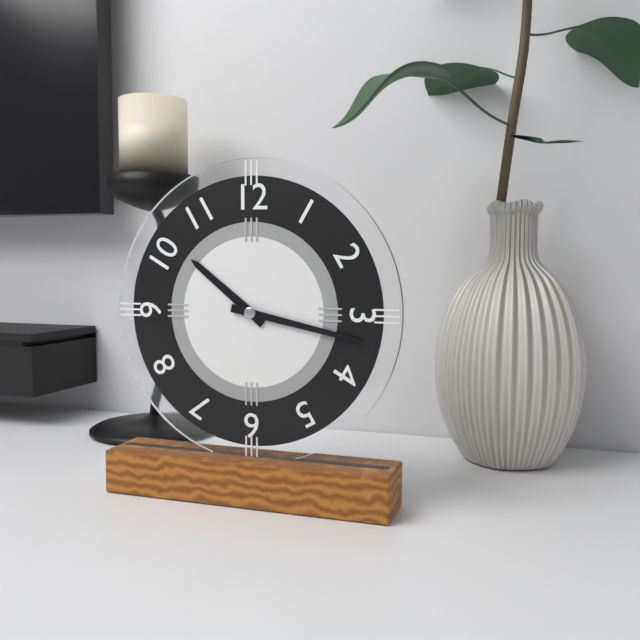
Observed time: 10:17
